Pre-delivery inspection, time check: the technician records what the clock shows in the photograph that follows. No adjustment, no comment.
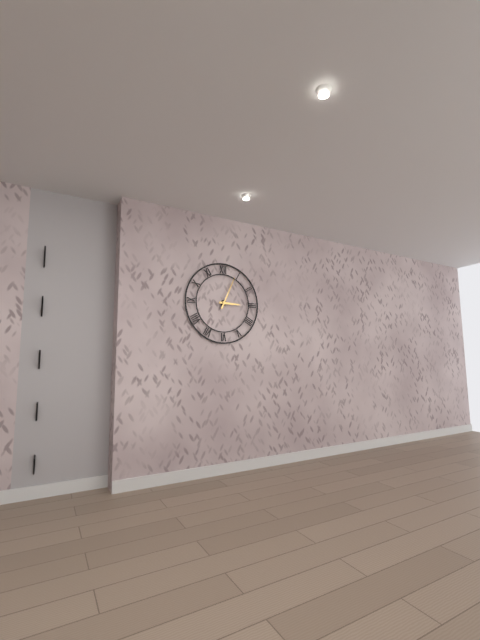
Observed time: 3:04
